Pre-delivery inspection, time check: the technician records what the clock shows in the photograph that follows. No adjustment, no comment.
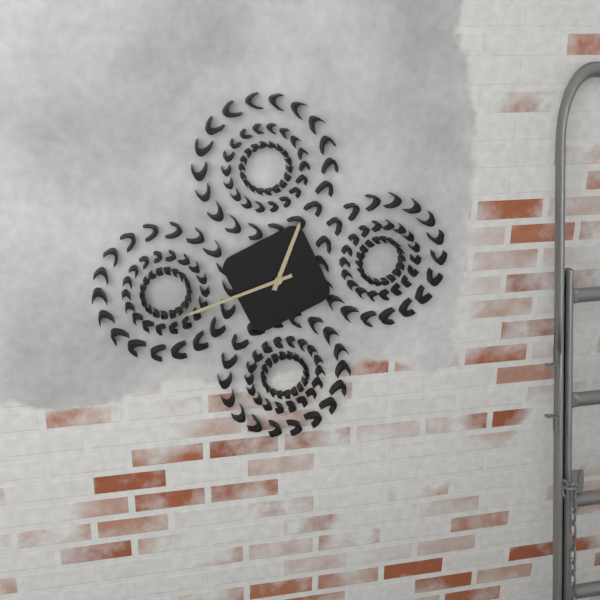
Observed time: 12:42
